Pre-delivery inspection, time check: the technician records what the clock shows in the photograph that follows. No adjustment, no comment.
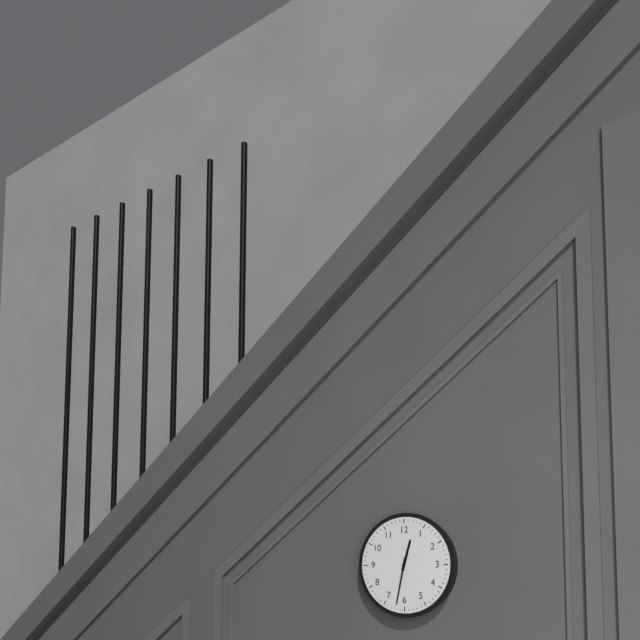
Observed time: 12:32
